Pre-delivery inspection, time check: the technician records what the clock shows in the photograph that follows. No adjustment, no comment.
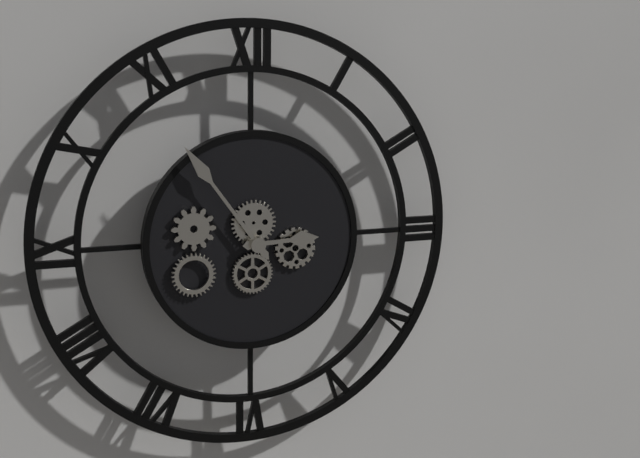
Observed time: 2:54
